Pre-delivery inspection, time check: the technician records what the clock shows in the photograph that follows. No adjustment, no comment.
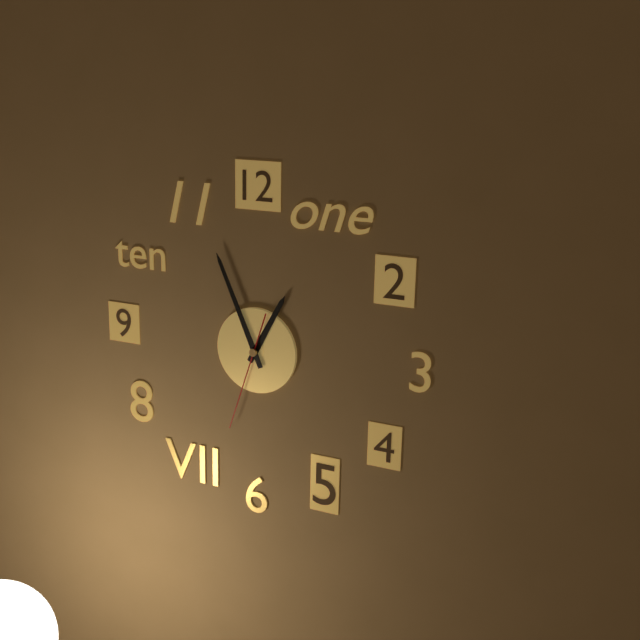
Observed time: 12:56:33
